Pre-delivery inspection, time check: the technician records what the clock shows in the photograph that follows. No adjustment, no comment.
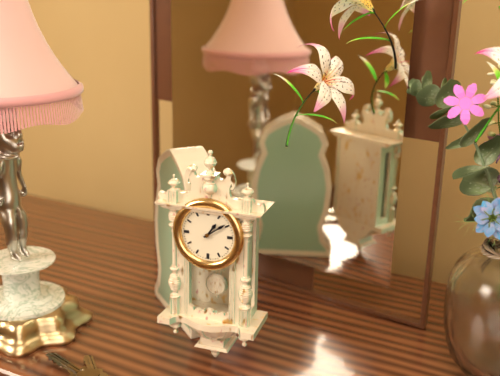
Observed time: 1:09
